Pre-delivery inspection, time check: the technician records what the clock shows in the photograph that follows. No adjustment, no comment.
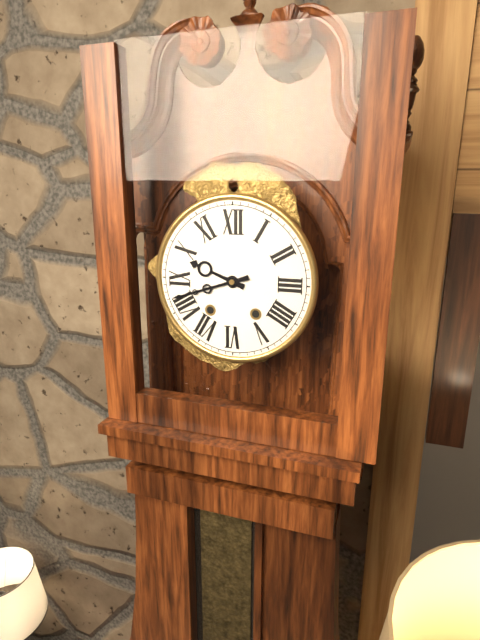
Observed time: 9:42
